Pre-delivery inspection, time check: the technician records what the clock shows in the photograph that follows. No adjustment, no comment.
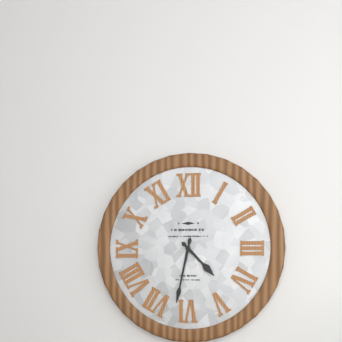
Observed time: 4:32
